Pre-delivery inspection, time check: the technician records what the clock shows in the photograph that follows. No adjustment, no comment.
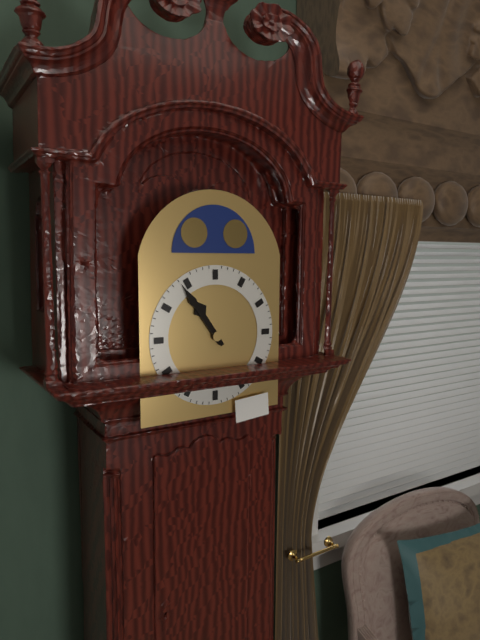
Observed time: 10:54
